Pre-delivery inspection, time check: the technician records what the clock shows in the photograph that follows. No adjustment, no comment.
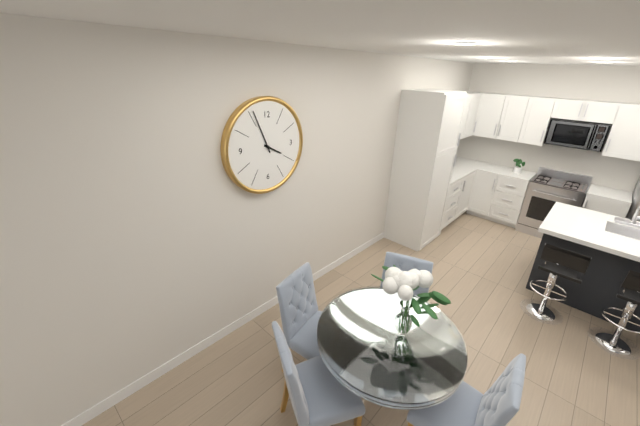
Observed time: 3:56
